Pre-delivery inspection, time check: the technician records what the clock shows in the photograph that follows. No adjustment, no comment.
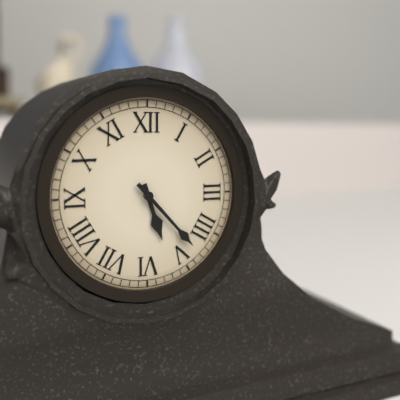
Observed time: 5:23
